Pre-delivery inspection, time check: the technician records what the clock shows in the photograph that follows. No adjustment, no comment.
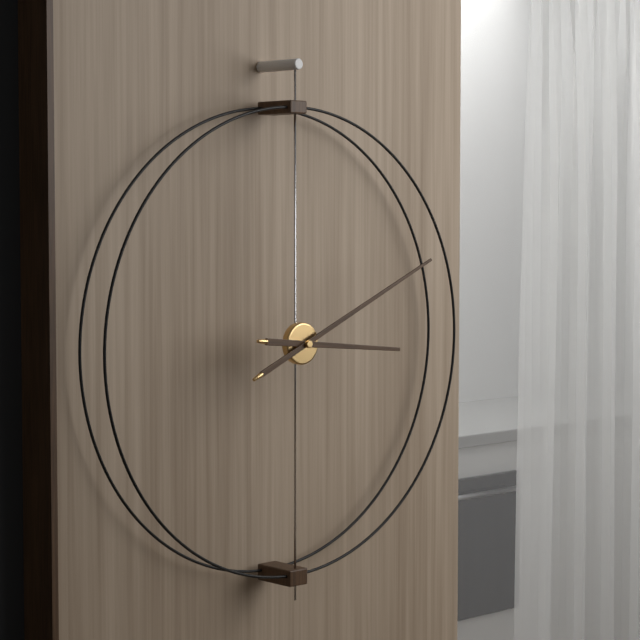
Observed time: 3:11
